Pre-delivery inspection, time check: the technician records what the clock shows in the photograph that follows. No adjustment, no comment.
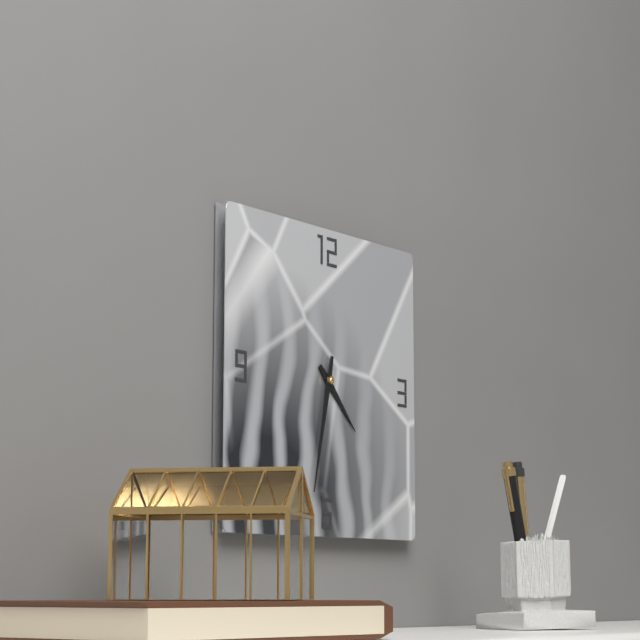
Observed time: 4:32
